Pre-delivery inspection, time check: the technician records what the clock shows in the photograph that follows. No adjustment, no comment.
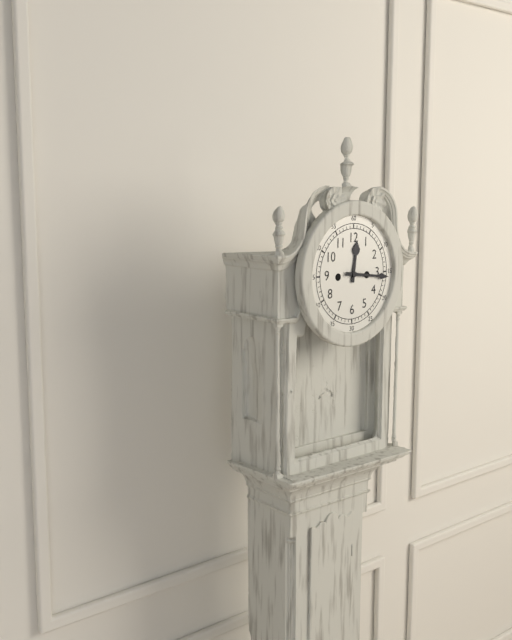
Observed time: 12:16
